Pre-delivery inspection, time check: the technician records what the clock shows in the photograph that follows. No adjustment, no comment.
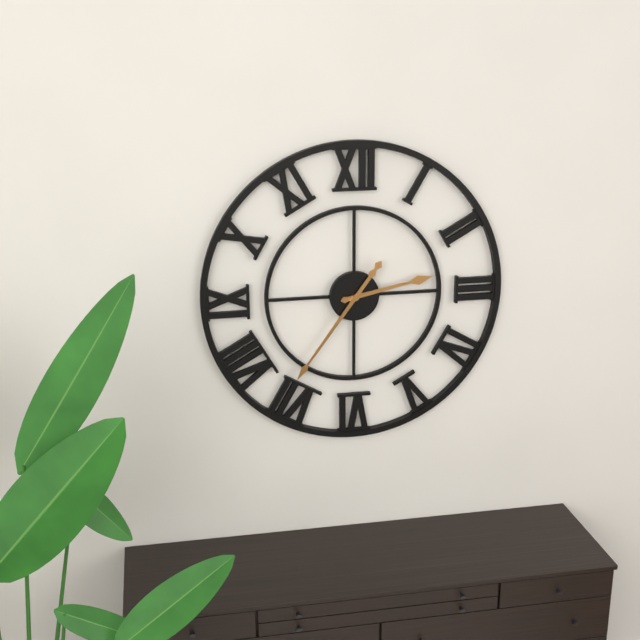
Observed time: 2:36
